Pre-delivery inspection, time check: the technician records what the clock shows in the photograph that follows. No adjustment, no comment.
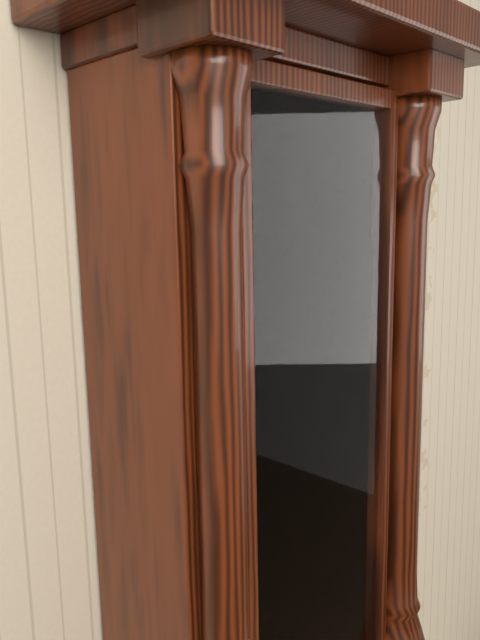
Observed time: 2:38
